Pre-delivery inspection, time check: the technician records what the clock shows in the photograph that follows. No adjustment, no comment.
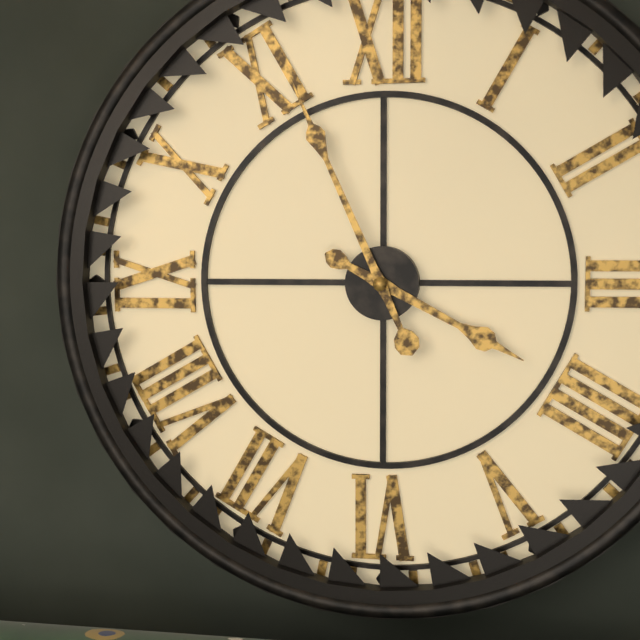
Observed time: 3:56
